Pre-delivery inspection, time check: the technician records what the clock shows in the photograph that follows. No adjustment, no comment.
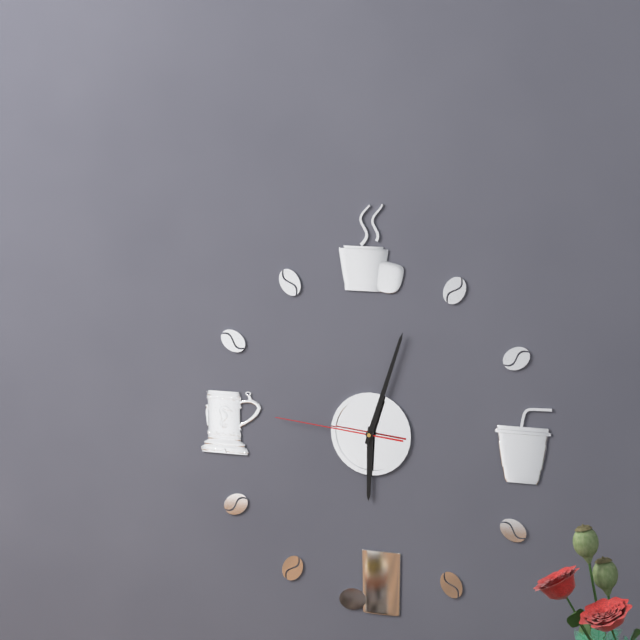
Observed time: 6:03:46
